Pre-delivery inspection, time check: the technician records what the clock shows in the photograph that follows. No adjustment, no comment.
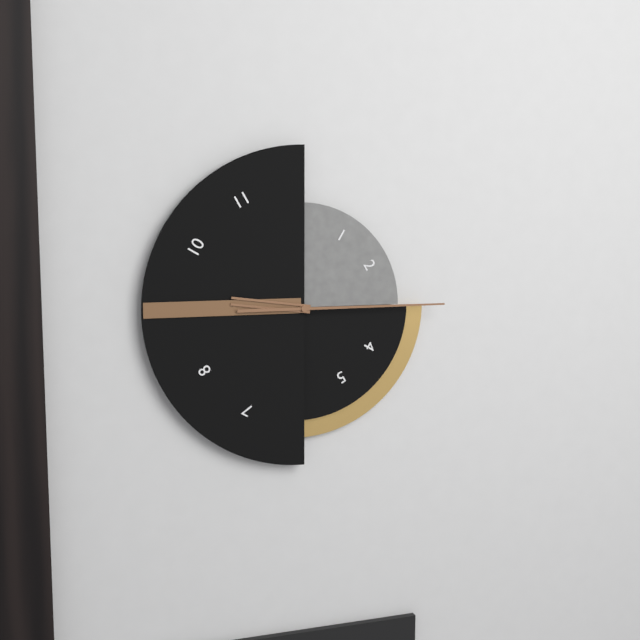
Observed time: 9:15
